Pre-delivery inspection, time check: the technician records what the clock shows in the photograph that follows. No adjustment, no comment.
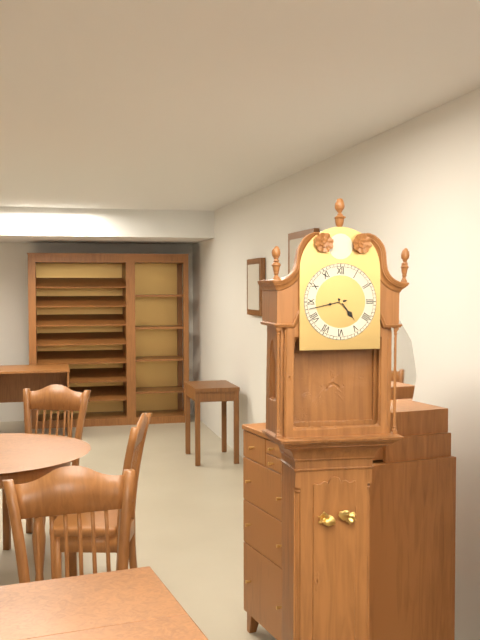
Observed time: 4:43
